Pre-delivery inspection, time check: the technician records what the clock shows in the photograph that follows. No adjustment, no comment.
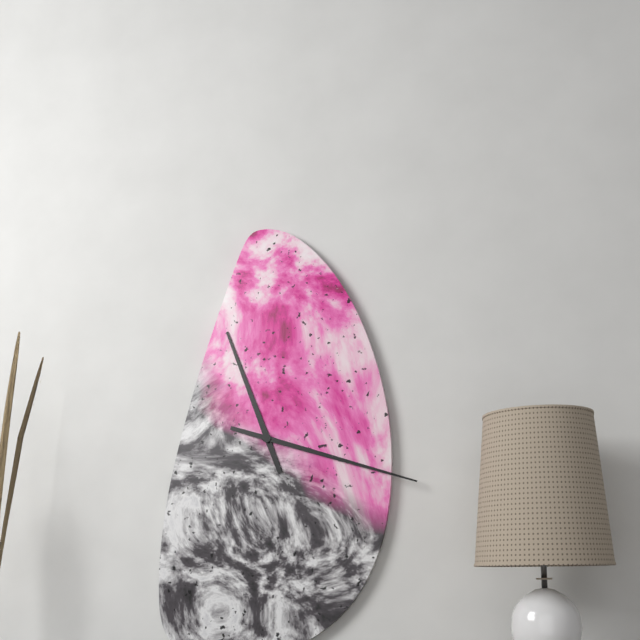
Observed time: 11:18
